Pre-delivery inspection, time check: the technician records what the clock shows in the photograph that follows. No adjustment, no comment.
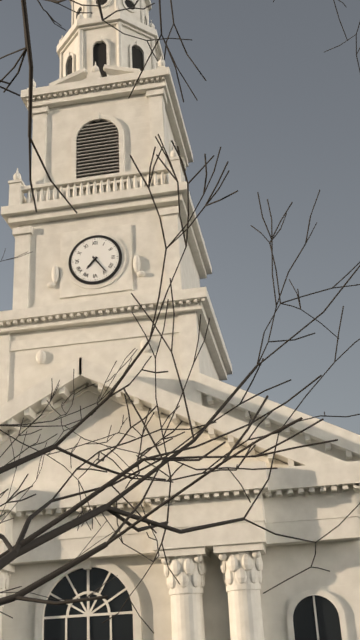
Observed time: 7:24
